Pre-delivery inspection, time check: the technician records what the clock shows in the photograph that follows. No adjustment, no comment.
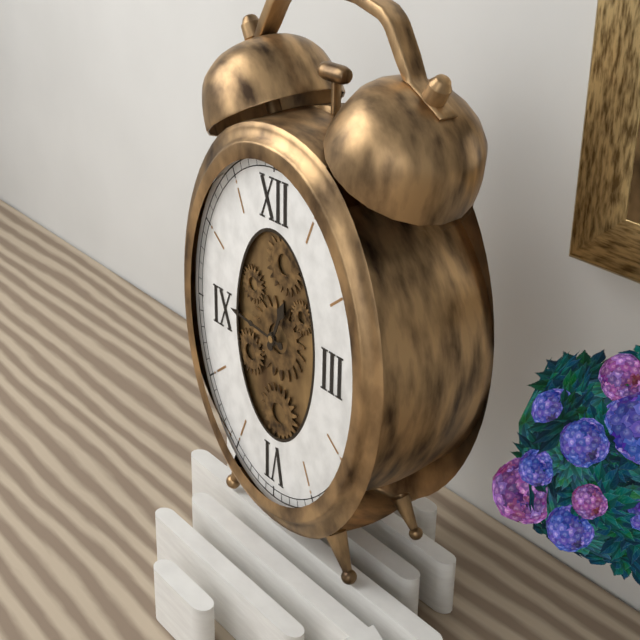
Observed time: 12:46
